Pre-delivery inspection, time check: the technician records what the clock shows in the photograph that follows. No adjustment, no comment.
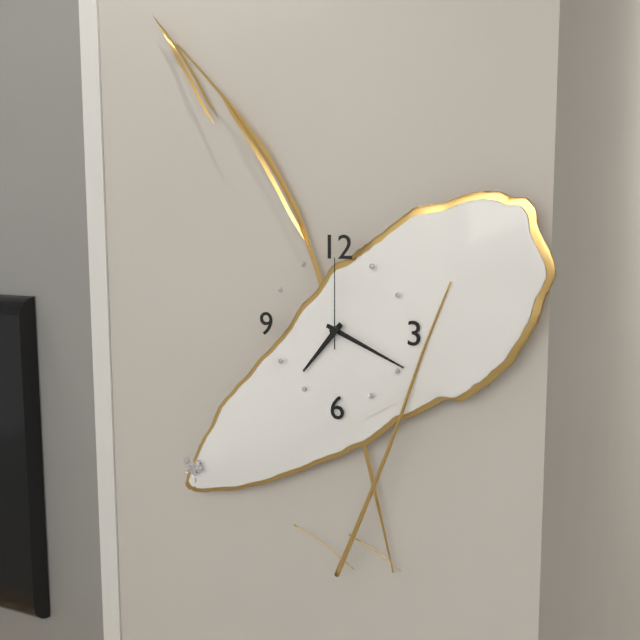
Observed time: 7:19:00
